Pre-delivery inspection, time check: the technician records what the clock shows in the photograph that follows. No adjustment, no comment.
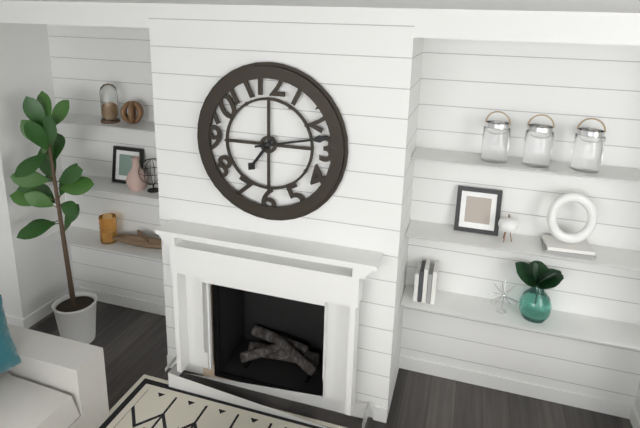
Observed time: 7:13
